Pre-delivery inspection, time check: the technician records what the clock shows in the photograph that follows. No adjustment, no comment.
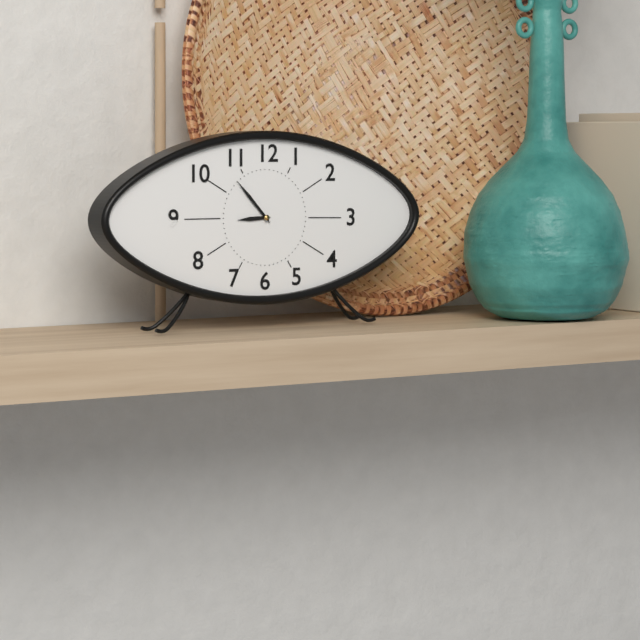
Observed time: 8:53
